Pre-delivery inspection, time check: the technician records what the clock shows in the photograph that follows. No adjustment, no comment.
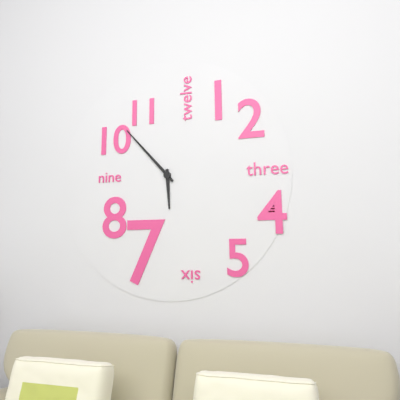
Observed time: 5:53
